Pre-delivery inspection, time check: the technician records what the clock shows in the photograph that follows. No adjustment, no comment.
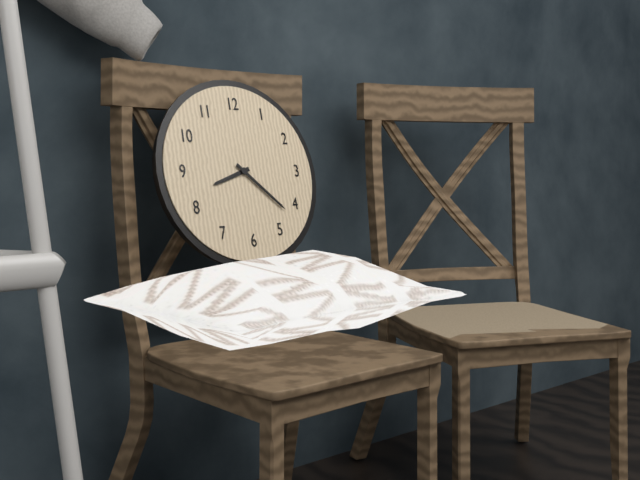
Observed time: 8:22
